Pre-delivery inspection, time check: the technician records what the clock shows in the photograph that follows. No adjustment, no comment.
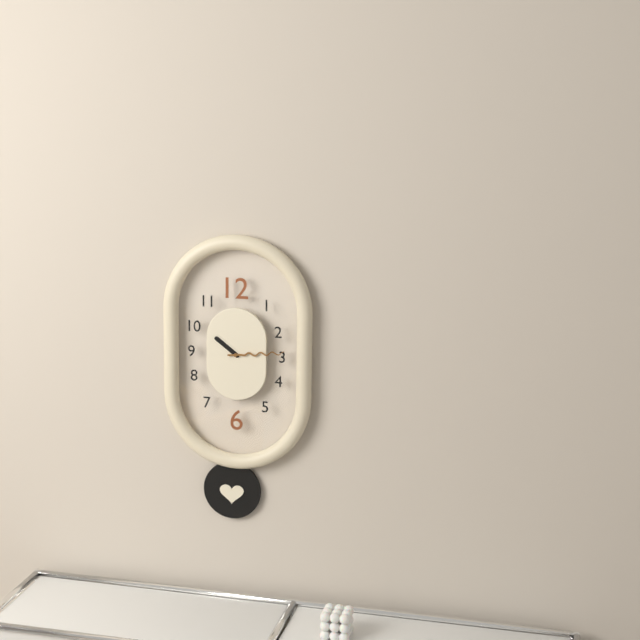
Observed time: 10:14
